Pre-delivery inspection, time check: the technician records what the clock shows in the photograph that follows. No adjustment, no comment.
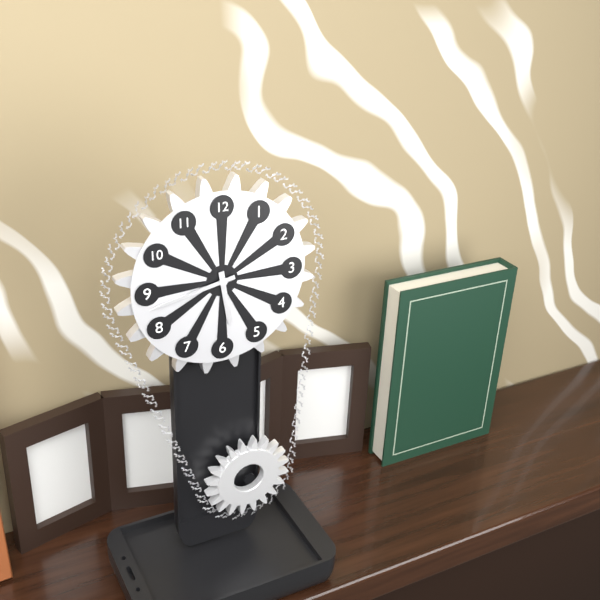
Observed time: 5:43
